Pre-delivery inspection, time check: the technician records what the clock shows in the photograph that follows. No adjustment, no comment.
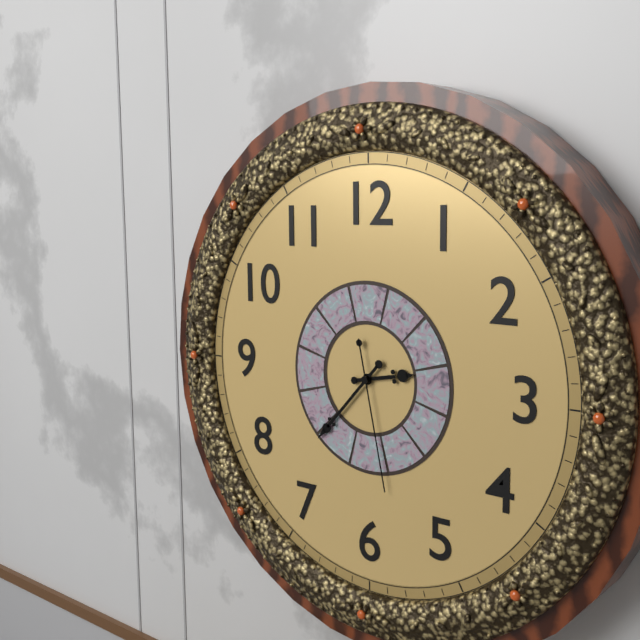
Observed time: 2:37:28
